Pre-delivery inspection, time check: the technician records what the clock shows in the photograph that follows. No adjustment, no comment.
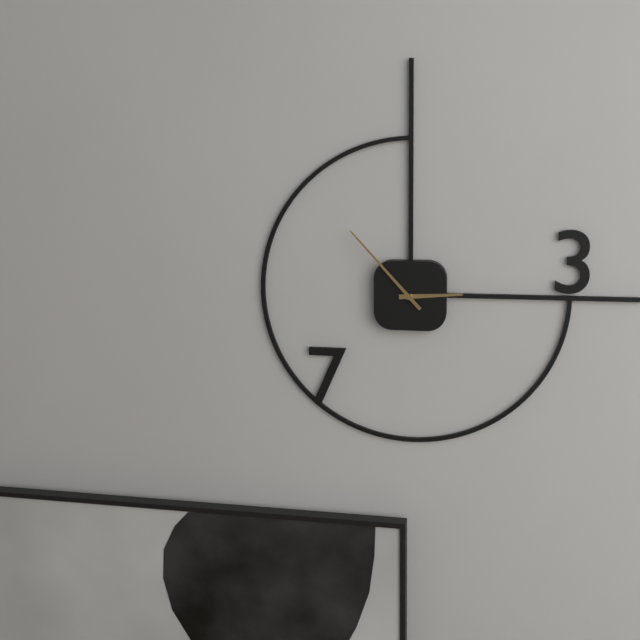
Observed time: 2:53
